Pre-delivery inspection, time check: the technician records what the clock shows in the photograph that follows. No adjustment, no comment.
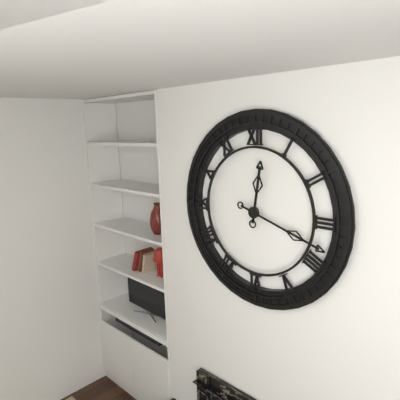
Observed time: 12:18
